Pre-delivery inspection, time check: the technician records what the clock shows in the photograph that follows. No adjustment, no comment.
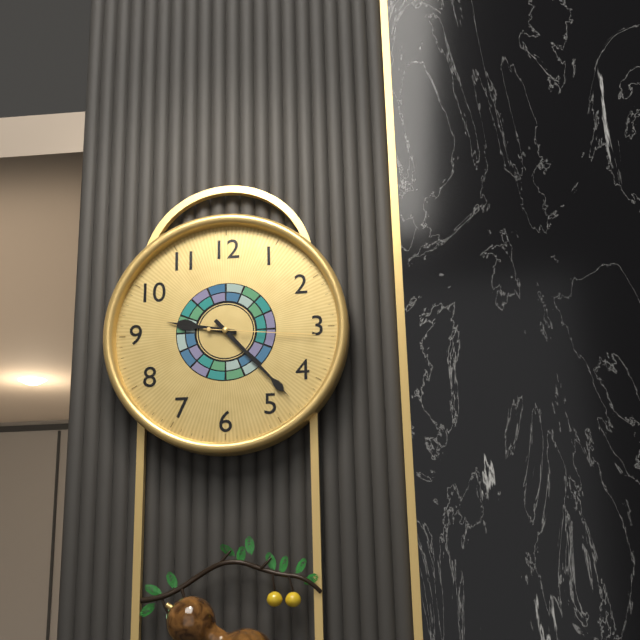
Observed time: 9:23:16
